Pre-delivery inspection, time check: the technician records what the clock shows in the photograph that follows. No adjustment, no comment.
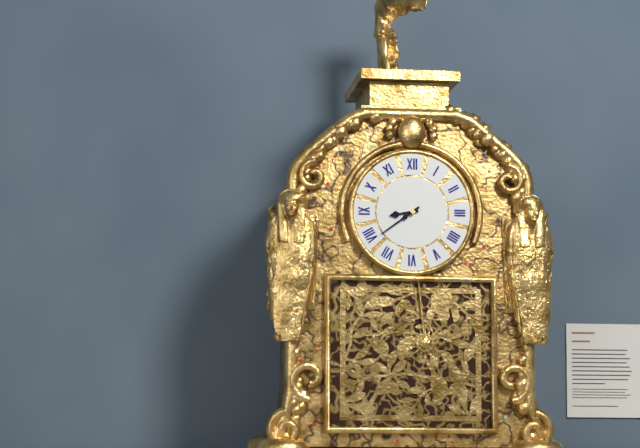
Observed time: 8:39
